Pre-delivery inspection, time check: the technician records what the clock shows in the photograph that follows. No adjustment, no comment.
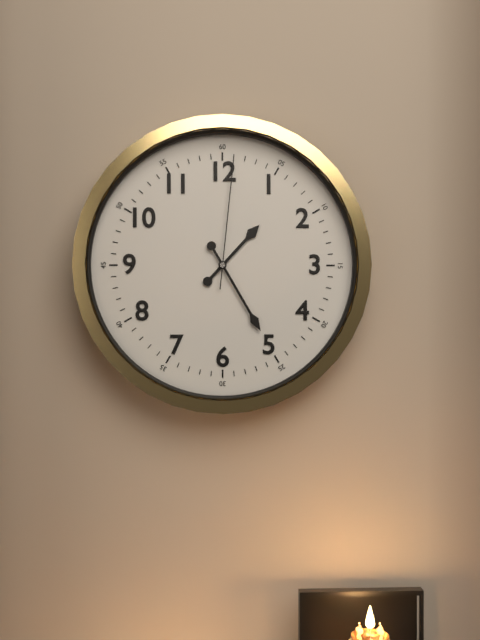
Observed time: 1:25:01
